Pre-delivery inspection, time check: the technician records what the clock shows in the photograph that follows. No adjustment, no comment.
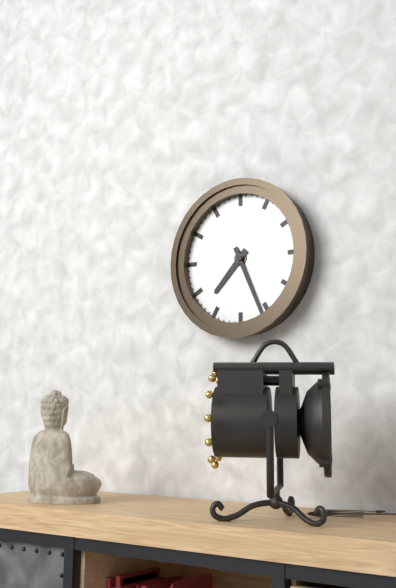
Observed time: 7:26
